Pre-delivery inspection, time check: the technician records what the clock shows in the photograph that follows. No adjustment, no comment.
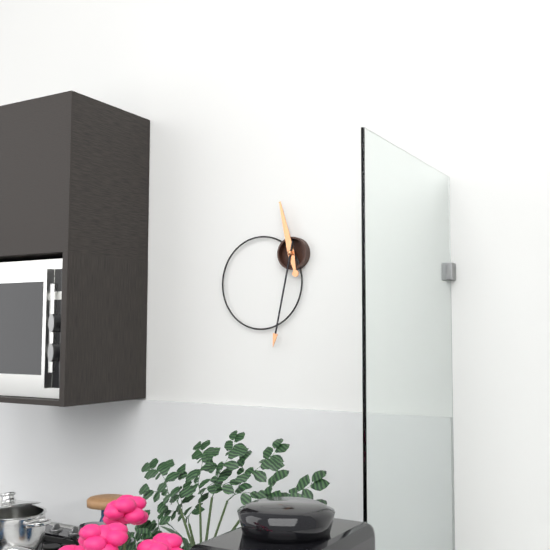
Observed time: 11:32
